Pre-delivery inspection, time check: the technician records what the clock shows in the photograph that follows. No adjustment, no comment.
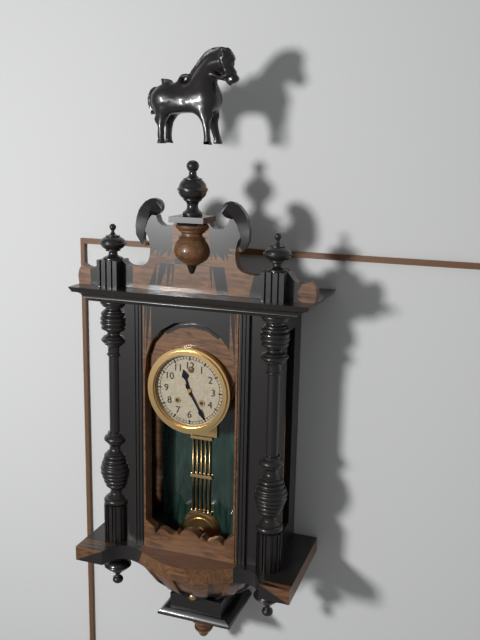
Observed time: 11:25
